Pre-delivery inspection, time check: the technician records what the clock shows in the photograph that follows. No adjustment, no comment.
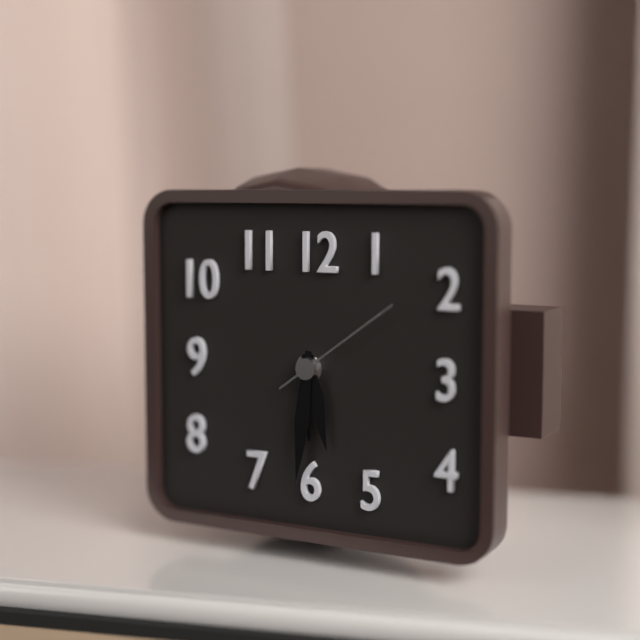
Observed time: 5:31:09
